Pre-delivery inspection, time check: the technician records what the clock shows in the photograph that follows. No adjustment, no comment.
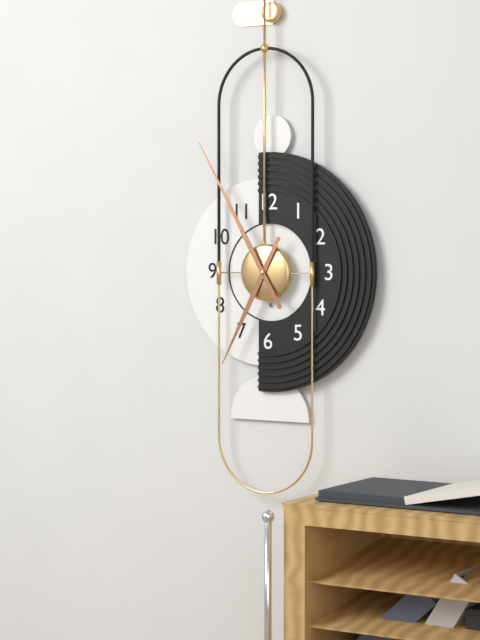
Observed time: 6:55
